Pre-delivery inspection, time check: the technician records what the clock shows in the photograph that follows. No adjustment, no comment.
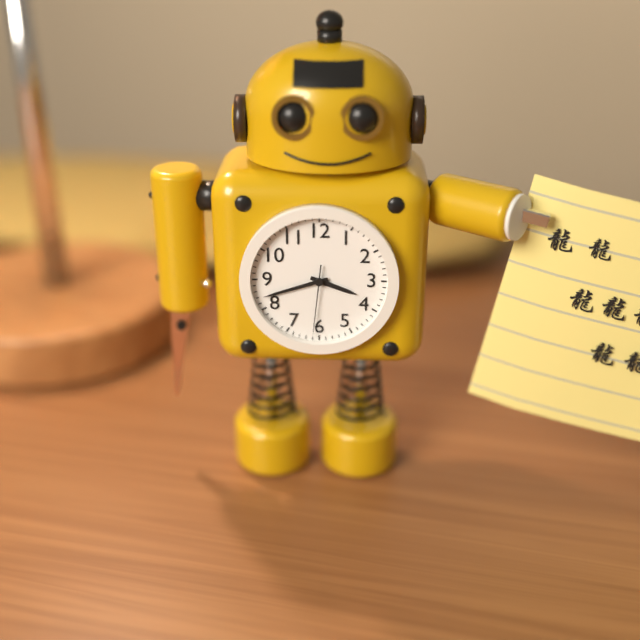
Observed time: 3:42:31
